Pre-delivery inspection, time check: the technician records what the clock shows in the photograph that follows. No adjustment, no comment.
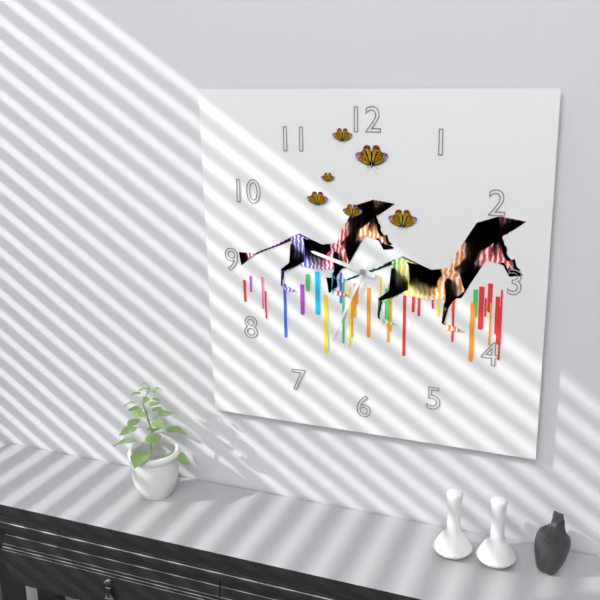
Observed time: 9:34
